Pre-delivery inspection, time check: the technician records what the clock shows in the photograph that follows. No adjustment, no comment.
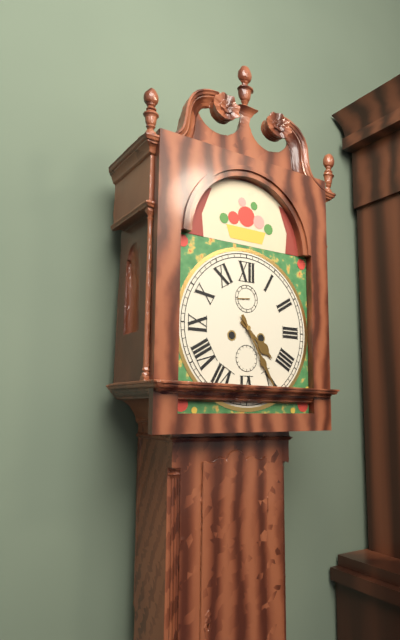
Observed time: 4:25
